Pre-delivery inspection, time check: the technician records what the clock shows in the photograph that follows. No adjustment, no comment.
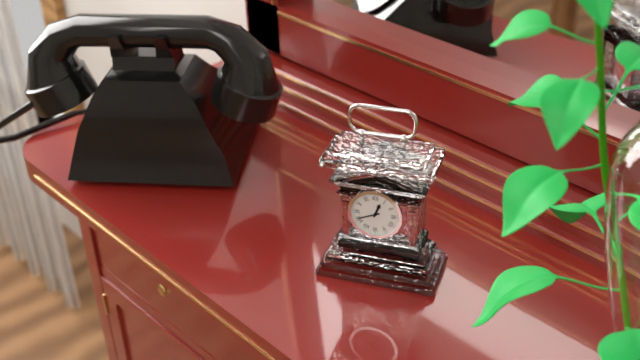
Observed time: 12:41
